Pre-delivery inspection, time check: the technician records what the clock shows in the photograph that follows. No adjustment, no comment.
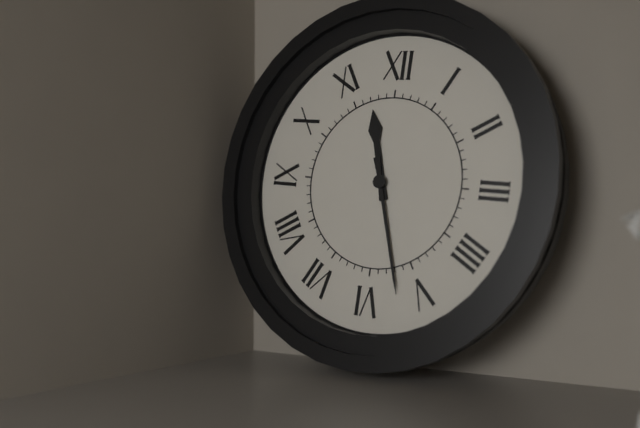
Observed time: 11:27
